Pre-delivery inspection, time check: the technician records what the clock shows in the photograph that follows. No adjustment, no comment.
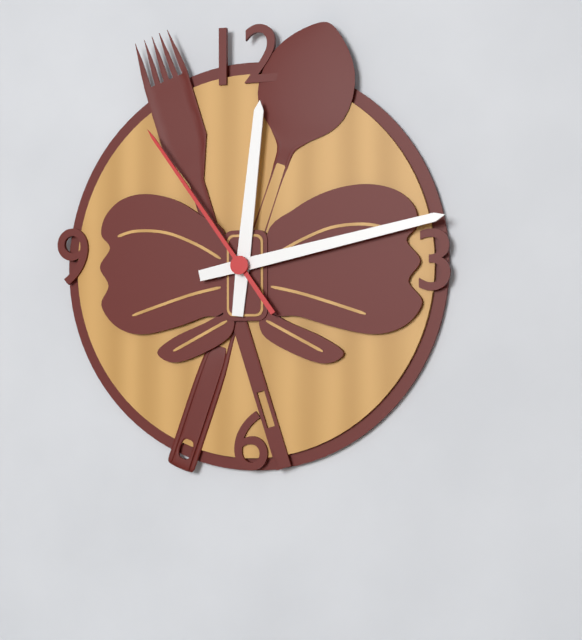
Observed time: 12:13:54
